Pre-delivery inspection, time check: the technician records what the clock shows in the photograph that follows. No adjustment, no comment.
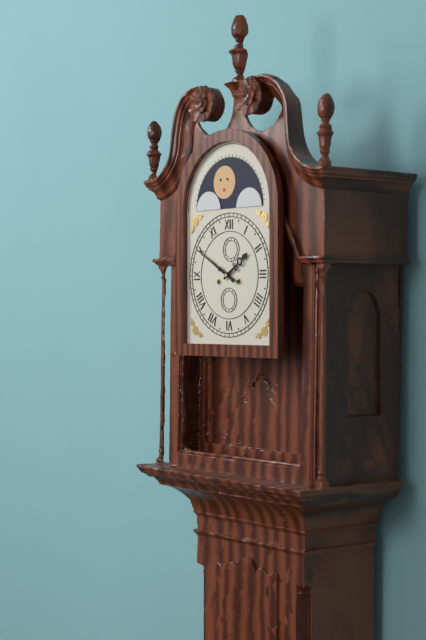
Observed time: 1:50
